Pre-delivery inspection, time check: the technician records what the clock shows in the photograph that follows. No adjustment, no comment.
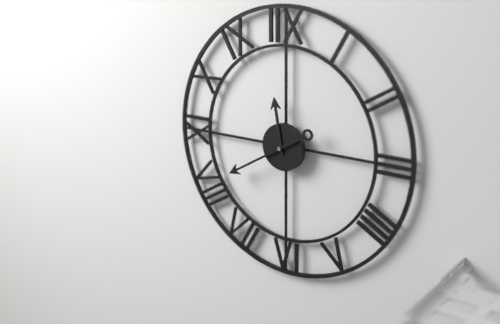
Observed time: 11:40
